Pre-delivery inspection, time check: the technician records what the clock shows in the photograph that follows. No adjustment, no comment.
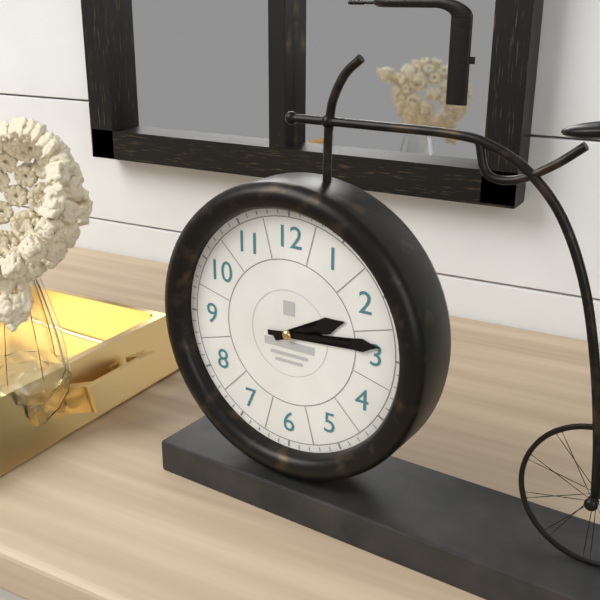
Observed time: 2:14
